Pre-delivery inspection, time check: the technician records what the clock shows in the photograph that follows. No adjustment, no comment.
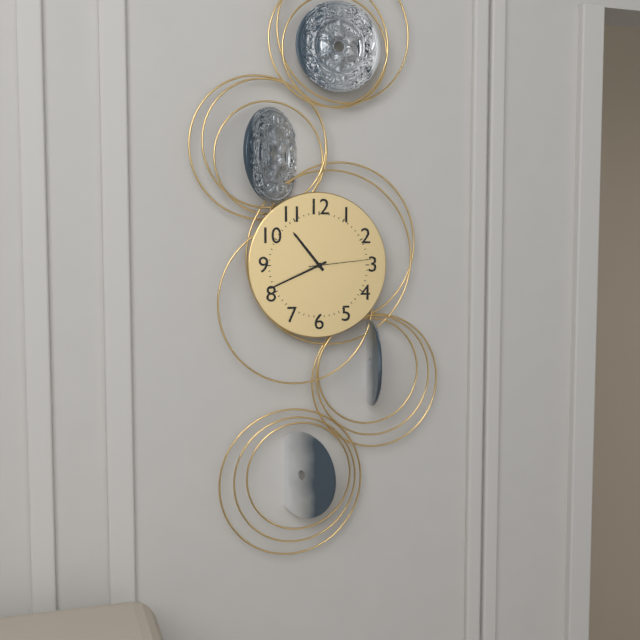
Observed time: 10:41:14
